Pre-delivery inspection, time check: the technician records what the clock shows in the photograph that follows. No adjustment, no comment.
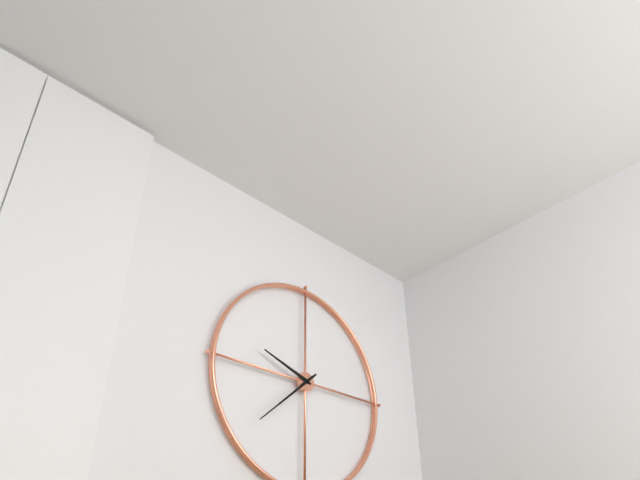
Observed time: 9:38
